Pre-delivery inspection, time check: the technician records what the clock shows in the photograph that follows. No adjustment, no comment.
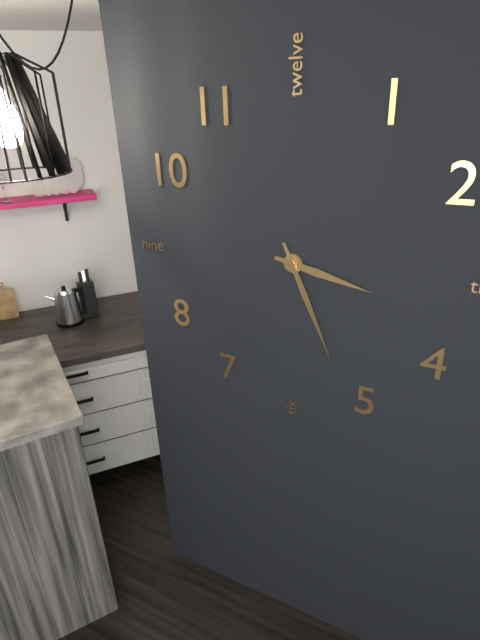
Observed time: 3:26
